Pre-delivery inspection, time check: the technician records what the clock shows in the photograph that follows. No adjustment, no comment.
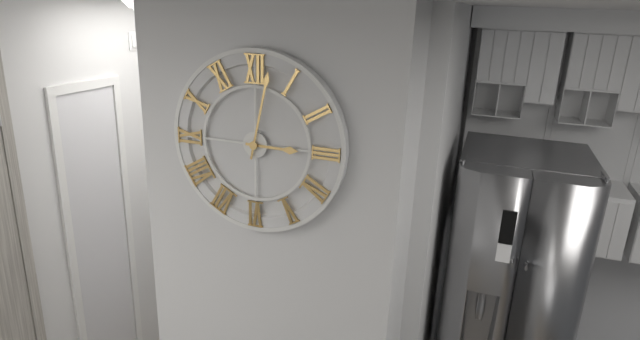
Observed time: 3:02
